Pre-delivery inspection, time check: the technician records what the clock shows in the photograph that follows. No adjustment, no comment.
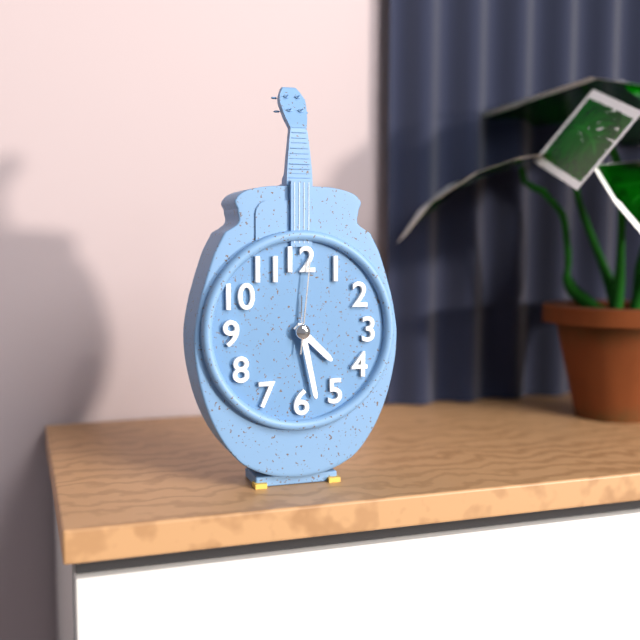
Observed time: 4:28:01
